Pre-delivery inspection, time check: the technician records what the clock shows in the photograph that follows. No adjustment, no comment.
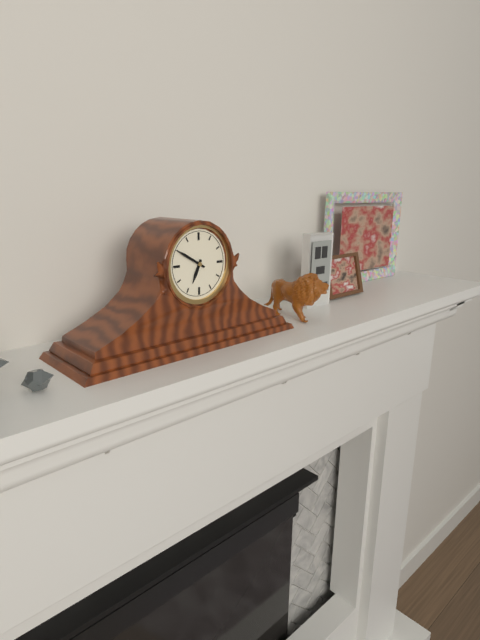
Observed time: 6:50
